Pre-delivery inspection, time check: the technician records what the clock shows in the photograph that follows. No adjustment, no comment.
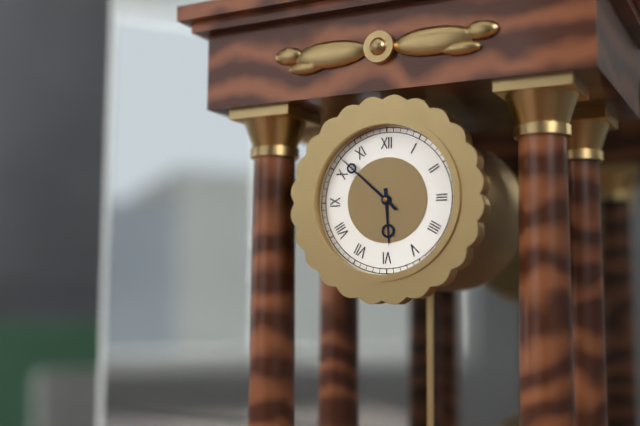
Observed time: 5:52
